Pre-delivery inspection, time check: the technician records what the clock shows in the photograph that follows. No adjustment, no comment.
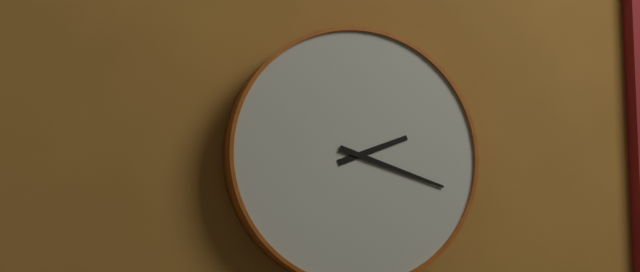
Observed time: 2:18
